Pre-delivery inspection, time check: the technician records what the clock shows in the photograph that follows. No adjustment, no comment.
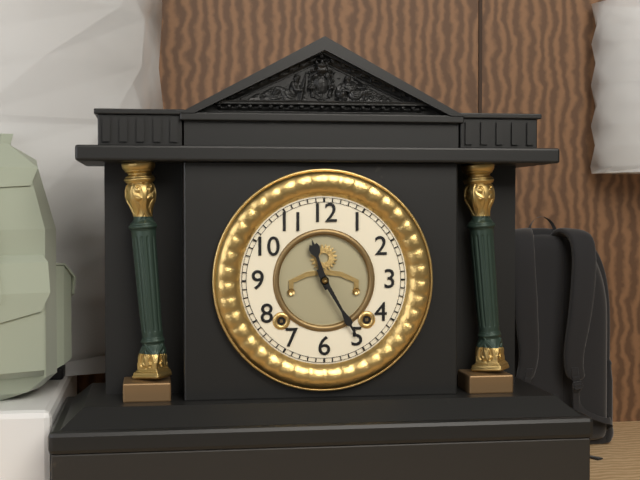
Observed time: 11:25
